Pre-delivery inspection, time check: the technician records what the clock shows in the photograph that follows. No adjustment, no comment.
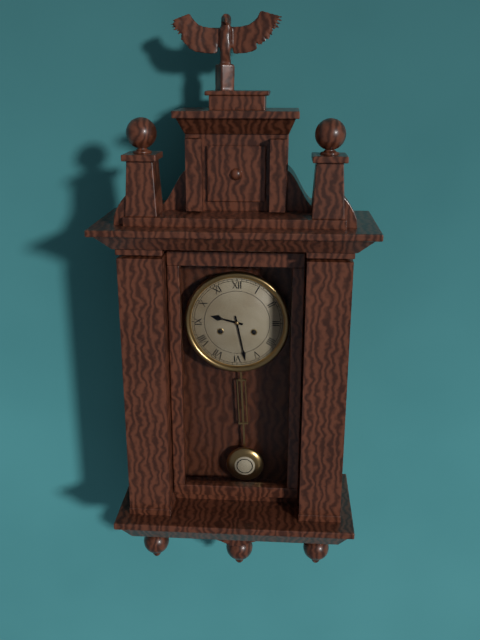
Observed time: 9:28
